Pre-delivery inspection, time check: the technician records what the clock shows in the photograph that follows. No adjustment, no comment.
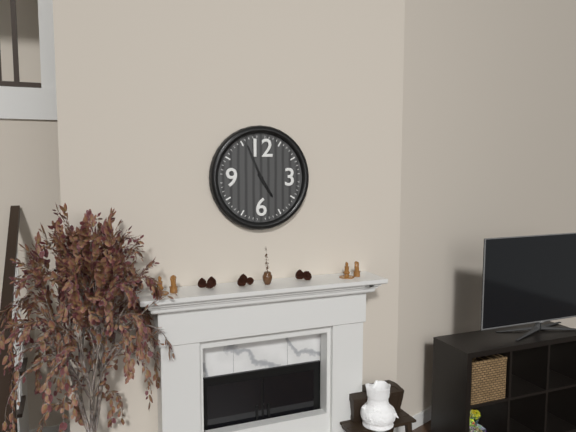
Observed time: 4:56
